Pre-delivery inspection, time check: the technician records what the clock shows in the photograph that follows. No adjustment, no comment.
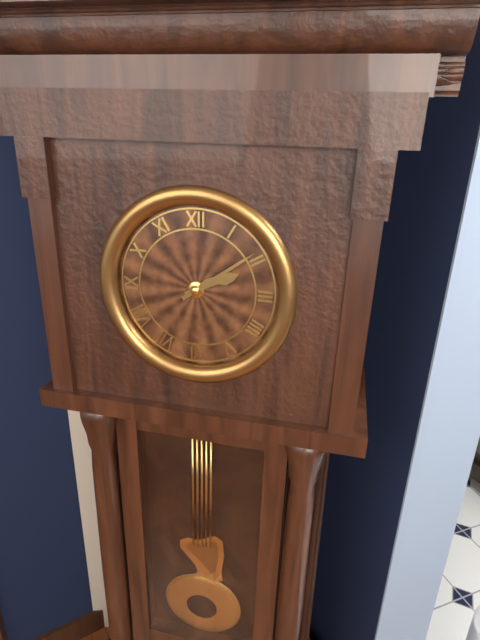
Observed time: 2:09
